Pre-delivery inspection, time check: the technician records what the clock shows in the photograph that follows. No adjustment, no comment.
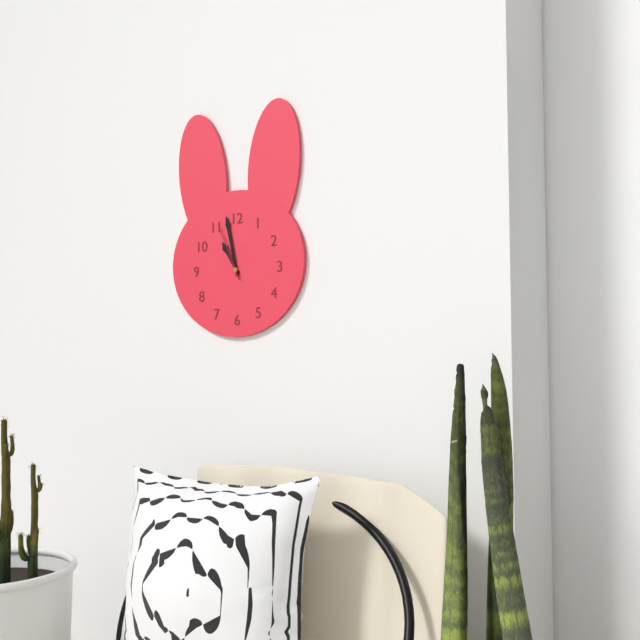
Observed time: 10:58:56
